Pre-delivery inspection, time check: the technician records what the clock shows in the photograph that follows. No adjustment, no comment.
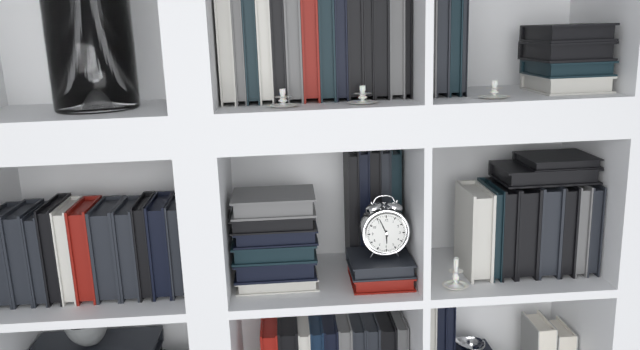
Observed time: 5:56
